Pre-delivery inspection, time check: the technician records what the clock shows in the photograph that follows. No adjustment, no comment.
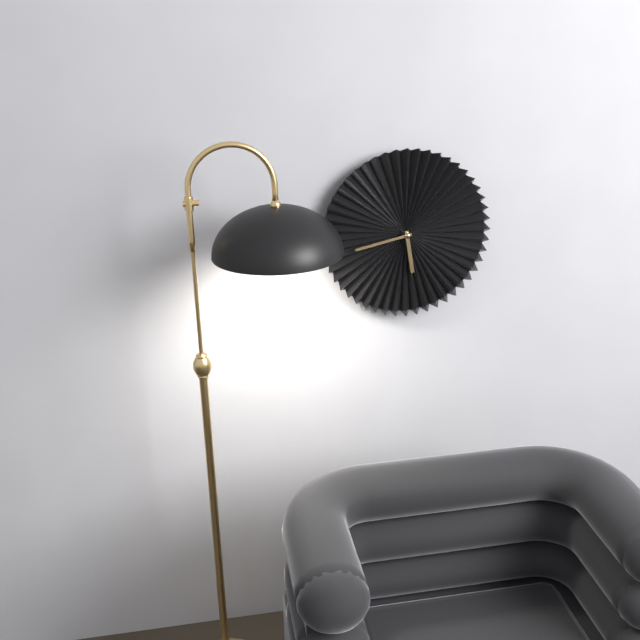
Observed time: 5:43
